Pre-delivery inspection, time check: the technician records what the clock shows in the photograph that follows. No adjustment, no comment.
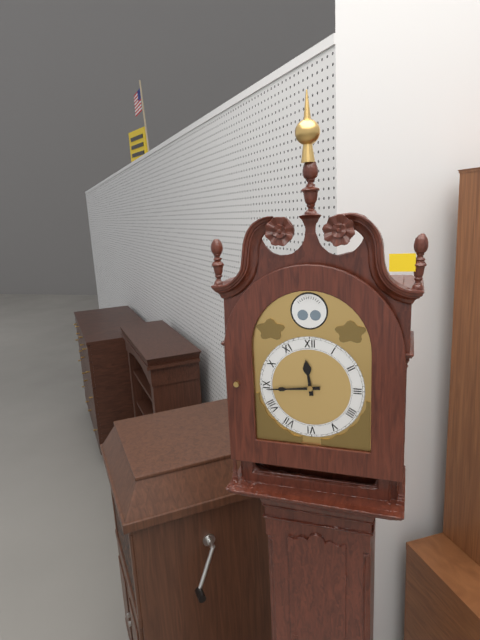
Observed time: 11:44
